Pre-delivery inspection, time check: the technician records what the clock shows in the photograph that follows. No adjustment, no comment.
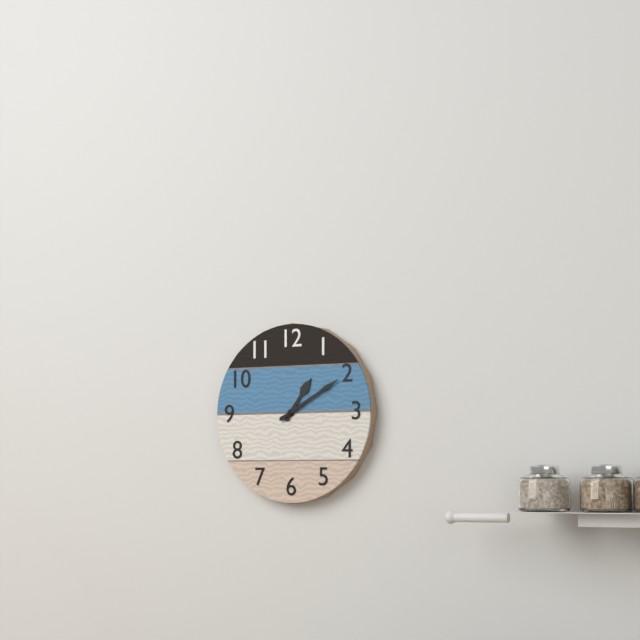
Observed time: 1:10
